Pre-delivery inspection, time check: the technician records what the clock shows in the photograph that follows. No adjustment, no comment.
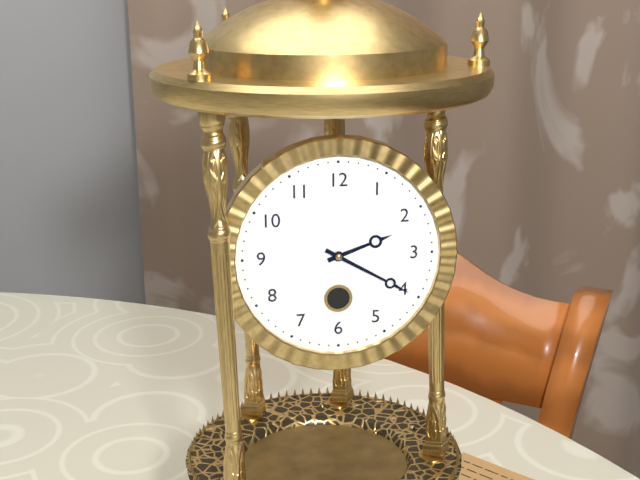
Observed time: 2:20
